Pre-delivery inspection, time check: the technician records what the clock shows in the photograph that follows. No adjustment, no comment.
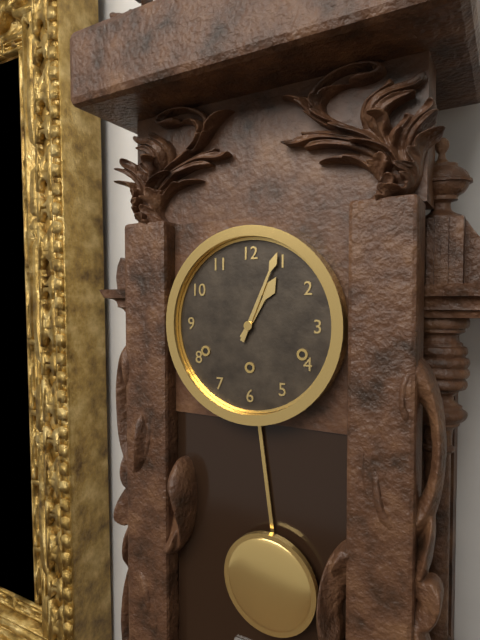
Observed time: 1:04
